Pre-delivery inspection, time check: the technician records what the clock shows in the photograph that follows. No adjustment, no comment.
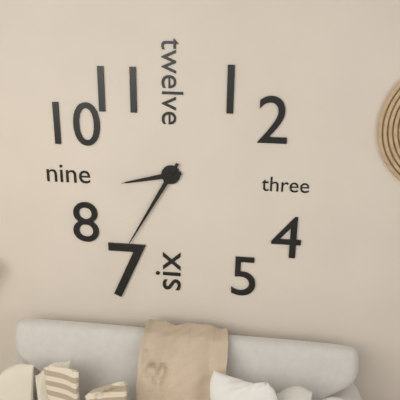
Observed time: 8:35
